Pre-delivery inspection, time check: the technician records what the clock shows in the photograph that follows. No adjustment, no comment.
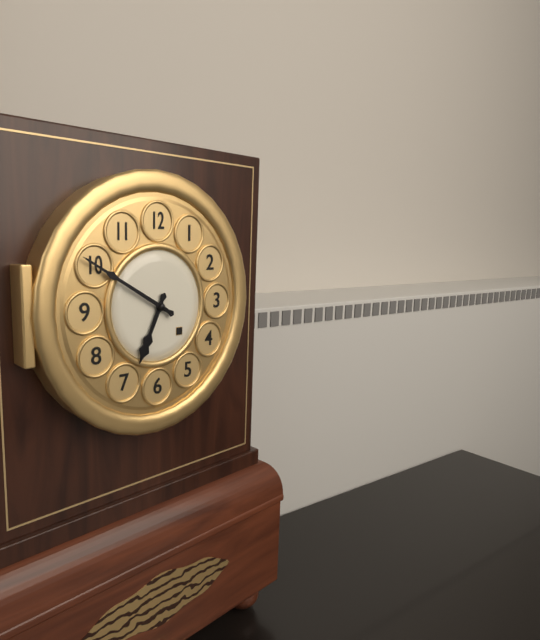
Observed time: 6:50
